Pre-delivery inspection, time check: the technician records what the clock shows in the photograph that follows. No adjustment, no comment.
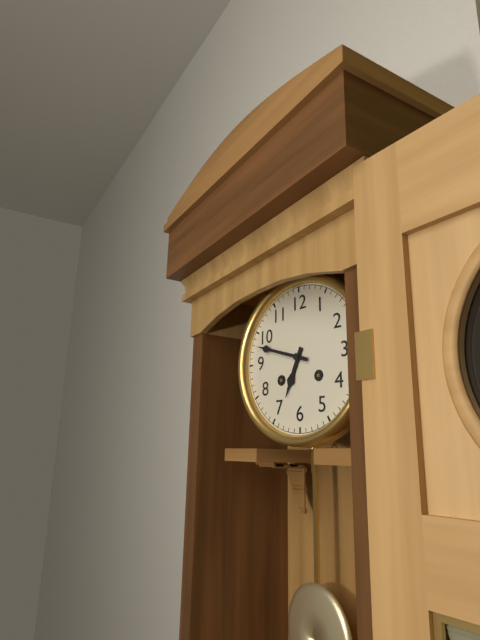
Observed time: 6:48
